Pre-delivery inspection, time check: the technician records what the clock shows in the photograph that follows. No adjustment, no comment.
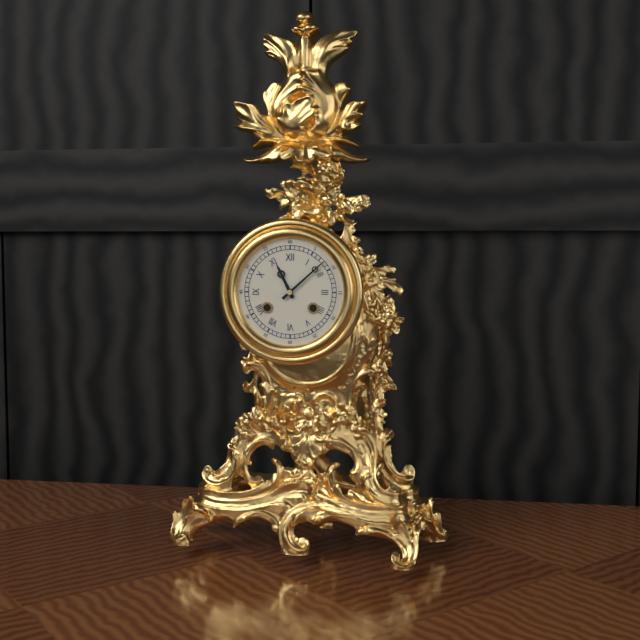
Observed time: 11:08
